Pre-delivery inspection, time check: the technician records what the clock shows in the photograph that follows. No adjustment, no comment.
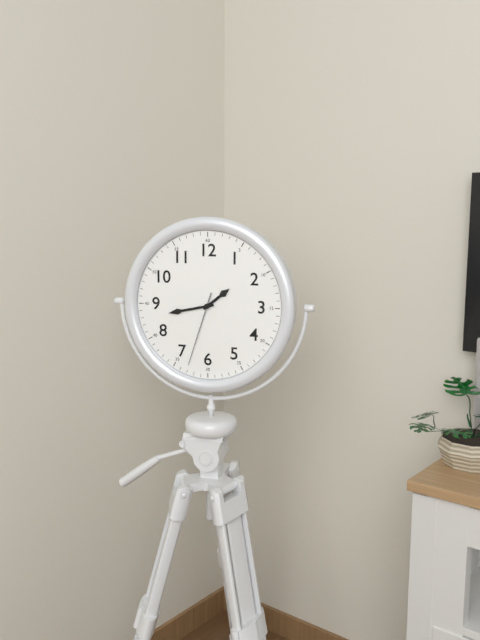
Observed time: 1:43:33
